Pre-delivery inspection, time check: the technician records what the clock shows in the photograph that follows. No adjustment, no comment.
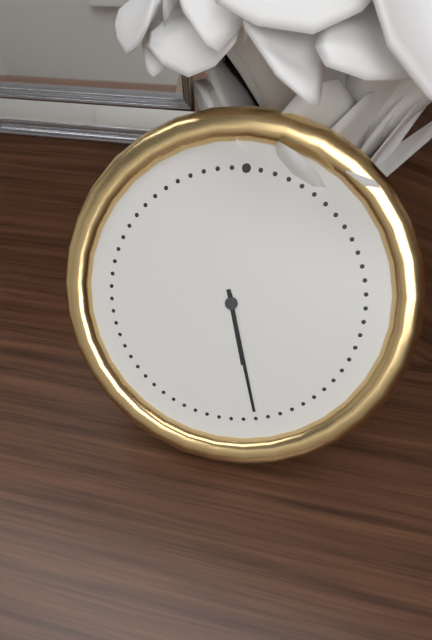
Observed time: 5:27
